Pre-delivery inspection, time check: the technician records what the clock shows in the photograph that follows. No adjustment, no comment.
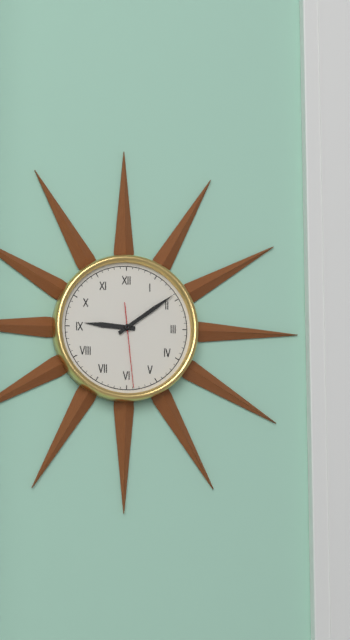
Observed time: 9:09:29
